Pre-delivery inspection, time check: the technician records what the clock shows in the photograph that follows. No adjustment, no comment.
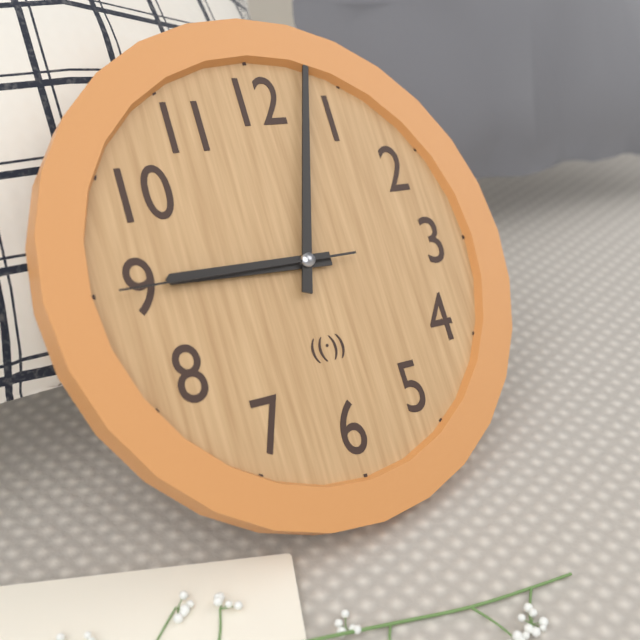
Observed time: 9:03:45
